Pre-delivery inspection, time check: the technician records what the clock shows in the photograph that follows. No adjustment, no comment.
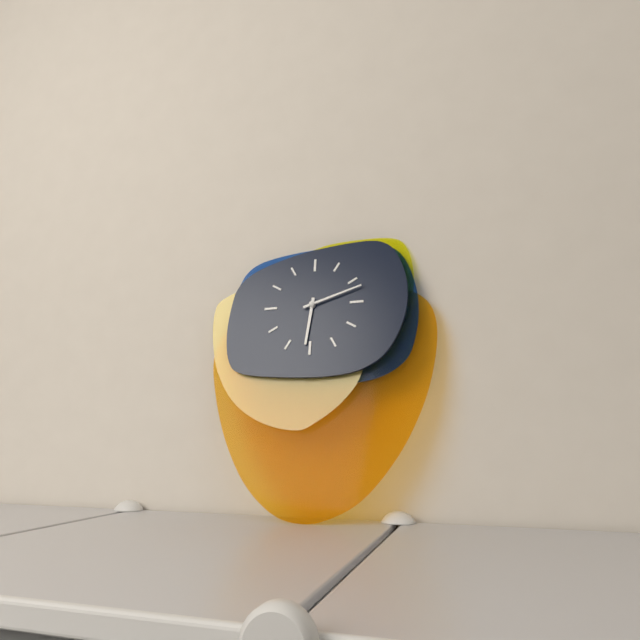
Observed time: 6:12
